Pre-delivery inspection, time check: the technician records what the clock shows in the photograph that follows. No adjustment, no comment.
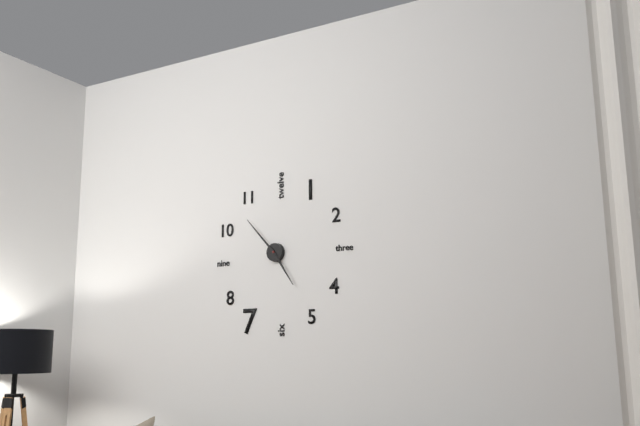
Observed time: 4:53
